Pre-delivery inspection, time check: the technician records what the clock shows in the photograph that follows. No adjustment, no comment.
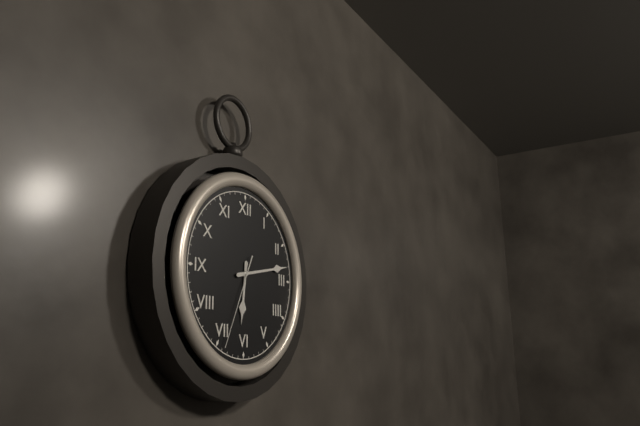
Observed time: 6:13:34
